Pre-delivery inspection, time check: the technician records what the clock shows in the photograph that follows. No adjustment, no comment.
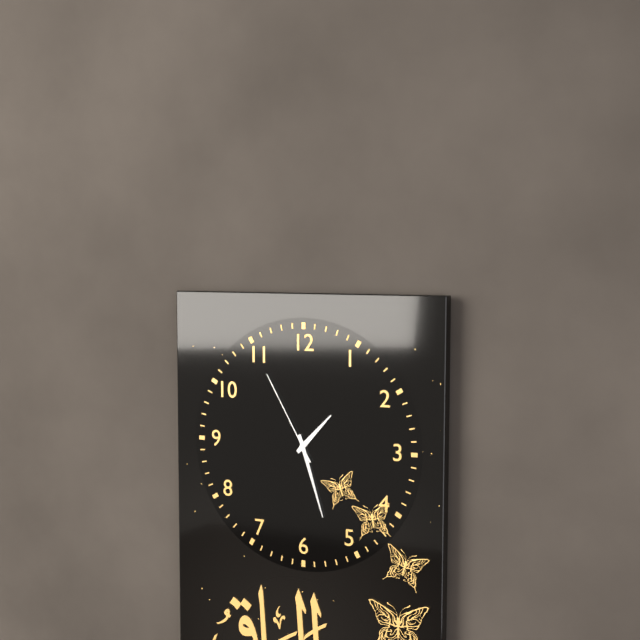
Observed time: 1:27:55
